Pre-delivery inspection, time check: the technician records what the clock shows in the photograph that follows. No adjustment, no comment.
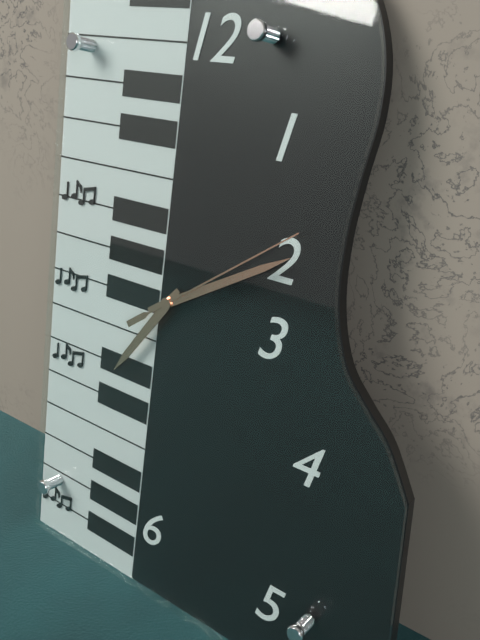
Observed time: 7:10:09
